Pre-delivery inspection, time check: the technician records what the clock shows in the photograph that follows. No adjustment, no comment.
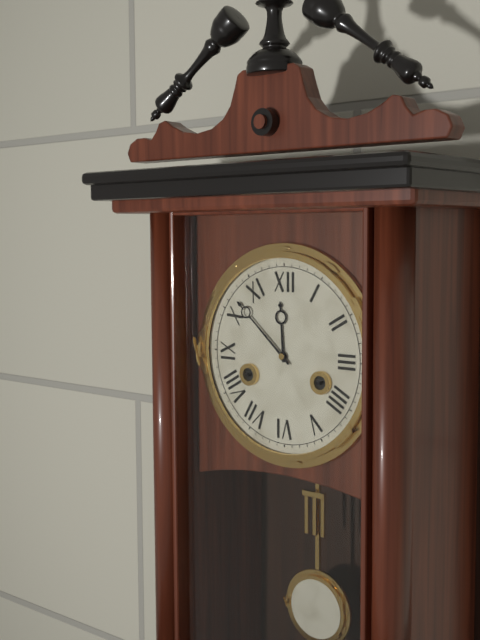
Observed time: 11:52
